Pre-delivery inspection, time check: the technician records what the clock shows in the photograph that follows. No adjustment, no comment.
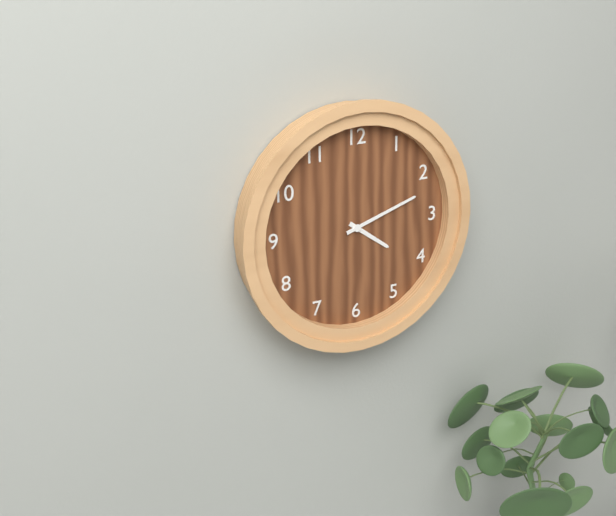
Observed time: 4:12
